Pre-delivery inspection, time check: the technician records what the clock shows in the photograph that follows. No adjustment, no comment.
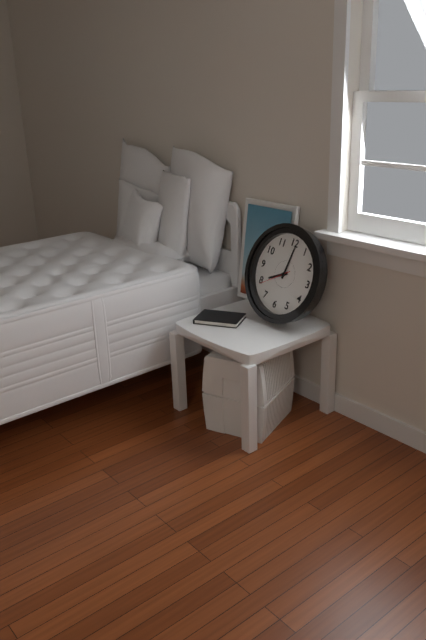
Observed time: 8:01
